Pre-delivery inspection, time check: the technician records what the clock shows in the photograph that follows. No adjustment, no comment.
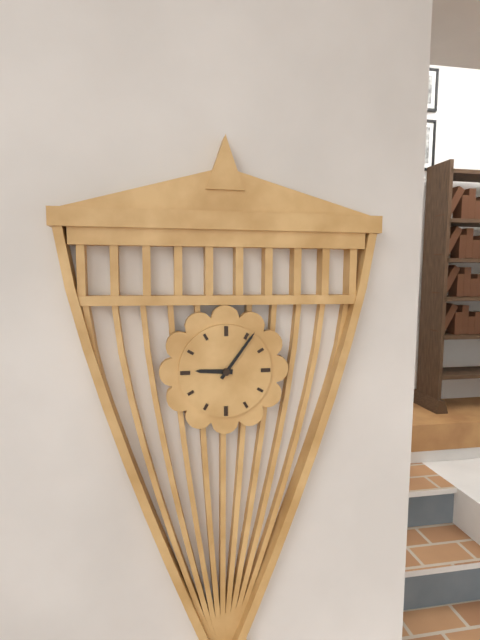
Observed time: 9:06
